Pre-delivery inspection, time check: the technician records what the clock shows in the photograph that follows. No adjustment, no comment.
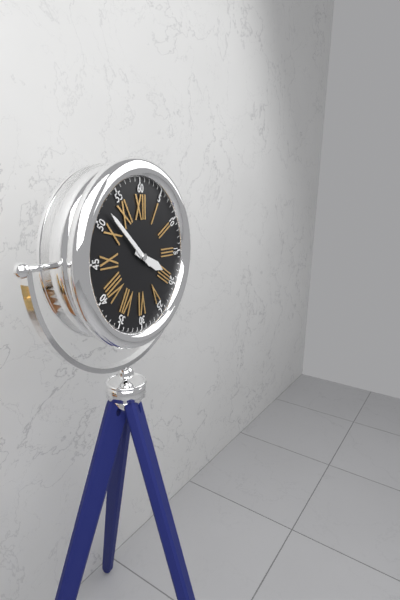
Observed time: 3:52
